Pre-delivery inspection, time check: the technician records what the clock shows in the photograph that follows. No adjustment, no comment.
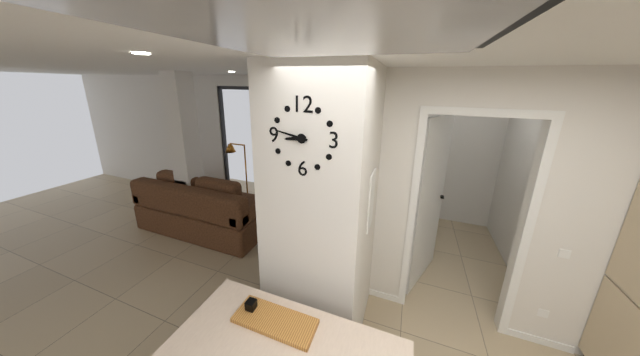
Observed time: 8:47
